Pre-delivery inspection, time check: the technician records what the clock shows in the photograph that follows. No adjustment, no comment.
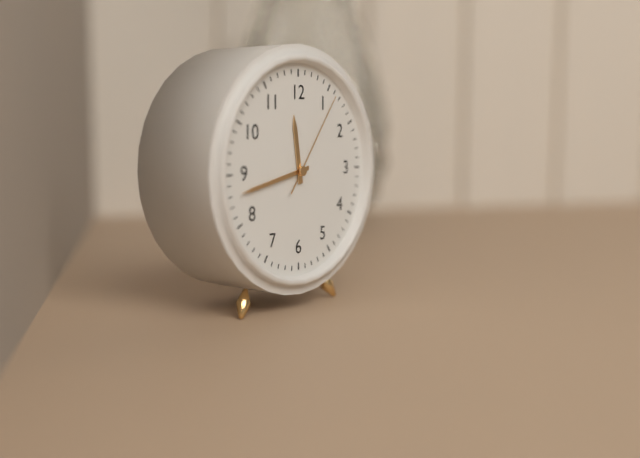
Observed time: 11:43:06
